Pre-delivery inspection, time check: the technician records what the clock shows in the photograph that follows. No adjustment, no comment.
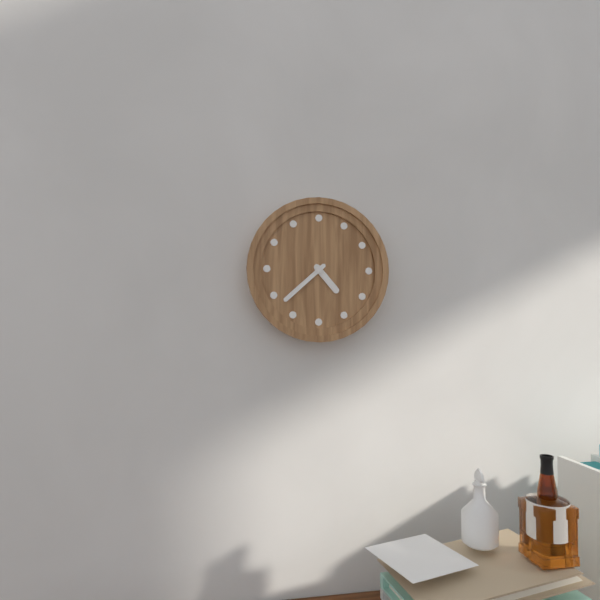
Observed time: 4:38
